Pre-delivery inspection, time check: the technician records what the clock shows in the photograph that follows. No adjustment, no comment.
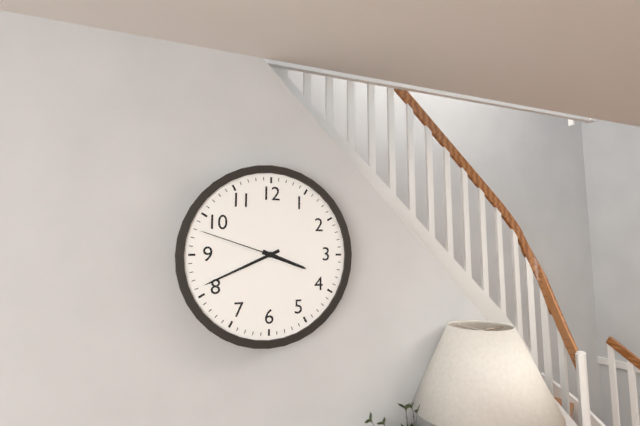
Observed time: 3:41:48
